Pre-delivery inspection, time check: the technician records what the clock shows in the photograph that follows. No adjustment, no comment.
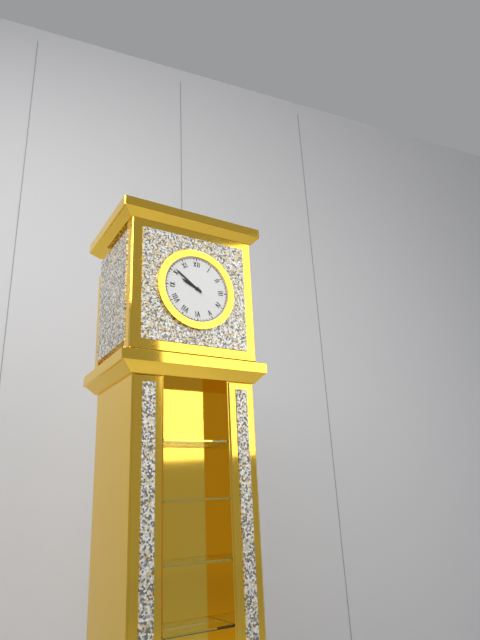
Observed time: 9:51
